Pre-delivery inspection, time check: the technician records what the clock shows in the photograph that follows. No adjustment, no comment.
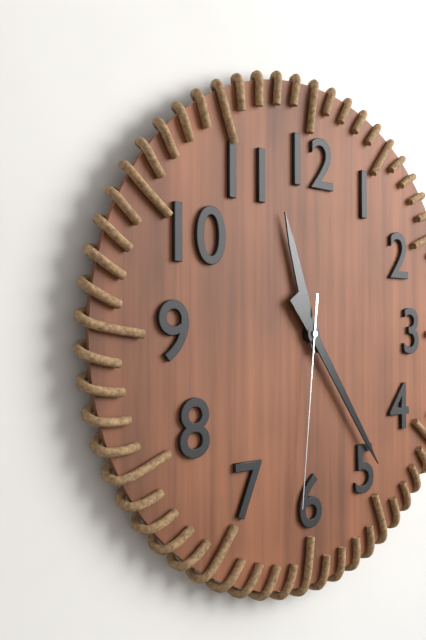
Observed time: 11:24:31
